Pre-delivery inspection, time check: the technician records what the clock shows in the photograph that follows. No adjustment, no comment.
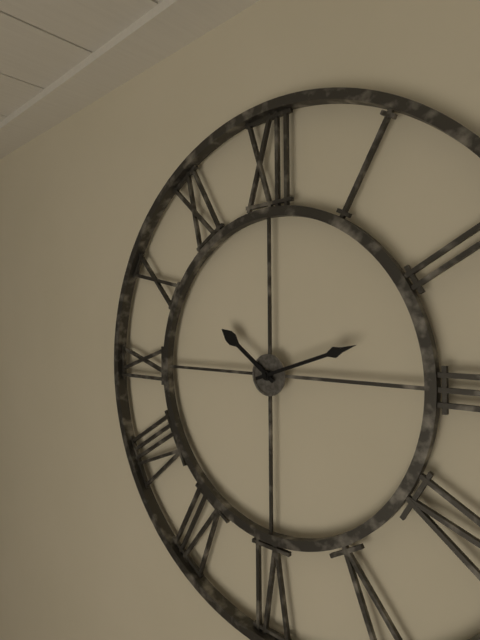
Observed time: 10:12
